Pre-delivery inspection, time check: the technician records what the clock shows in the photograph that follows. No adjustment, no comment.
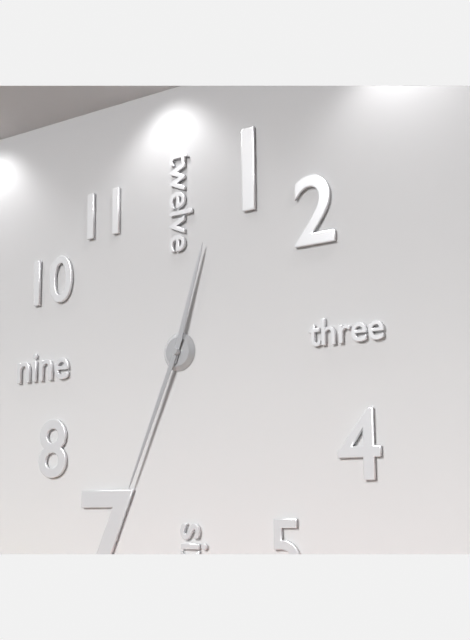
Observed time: 12:34
